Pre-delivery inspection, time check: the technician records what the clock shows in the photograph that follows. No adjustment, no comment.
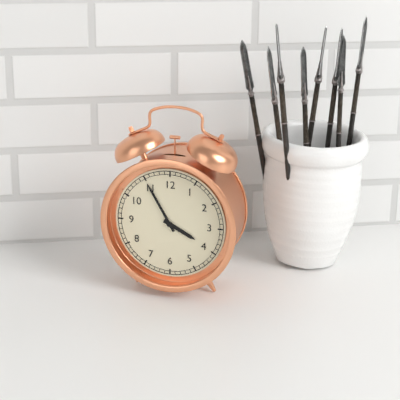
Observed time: 3:55
